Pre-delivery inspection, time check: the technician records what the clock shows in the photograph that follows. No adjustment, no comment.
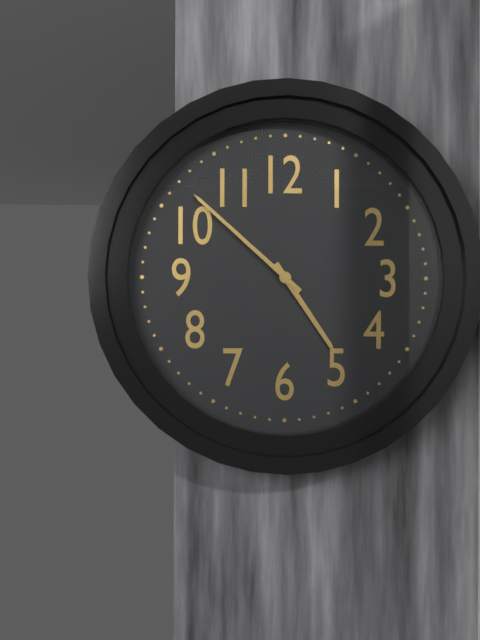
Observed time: 4:52
